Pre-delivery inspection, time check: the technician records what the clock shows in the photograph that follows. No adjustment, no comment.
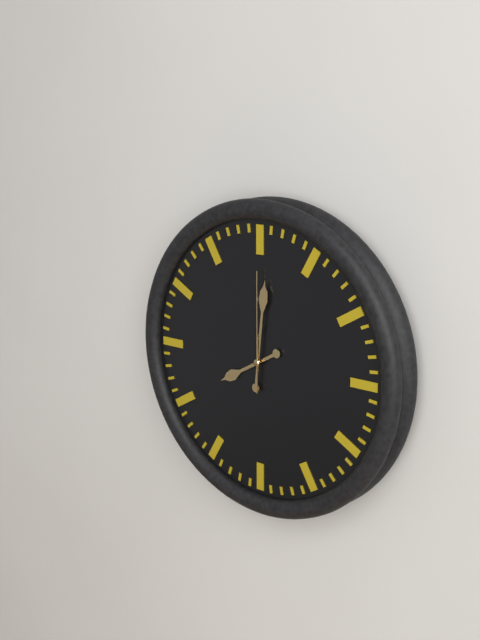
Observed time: 8:01:00
